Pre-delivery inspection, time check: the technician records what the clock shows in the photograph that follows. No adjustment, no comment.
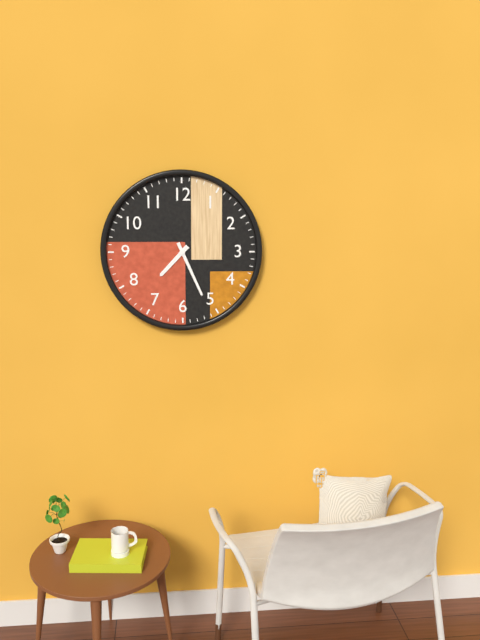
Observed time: 7:26
